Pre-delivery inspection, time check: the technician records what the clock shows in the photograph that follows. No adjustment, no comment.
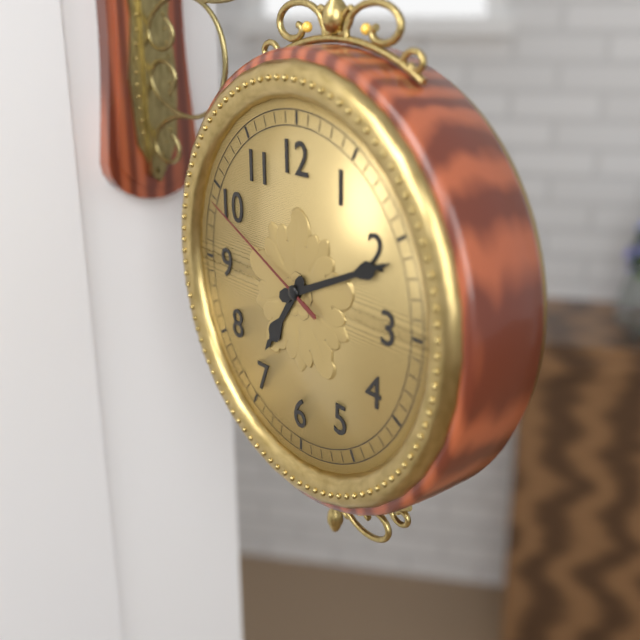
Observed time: 7:11:49
